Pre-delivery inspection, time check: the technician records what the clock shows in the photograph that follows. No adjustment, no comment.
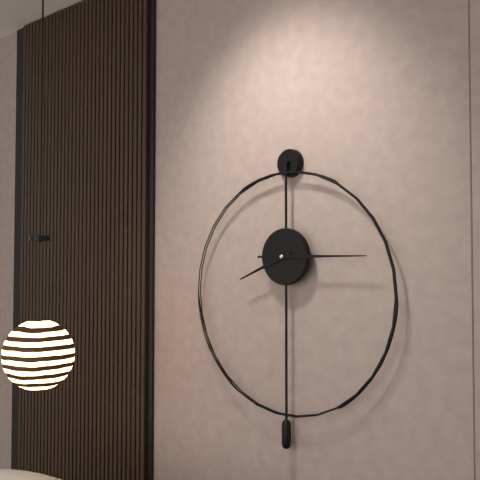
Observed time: 8:15
